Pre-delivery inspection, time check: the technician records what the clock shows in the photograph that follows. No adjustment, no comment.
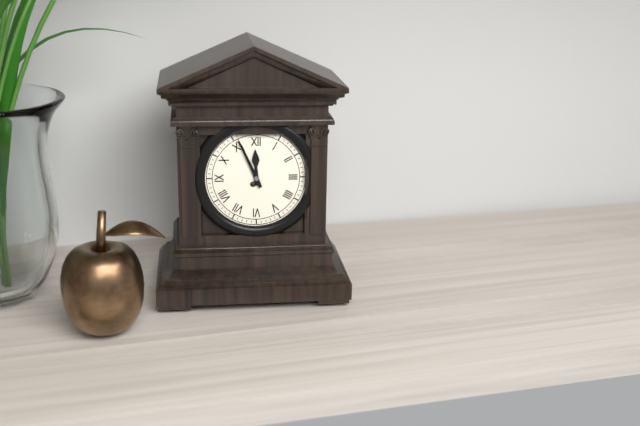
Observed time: 11:56
